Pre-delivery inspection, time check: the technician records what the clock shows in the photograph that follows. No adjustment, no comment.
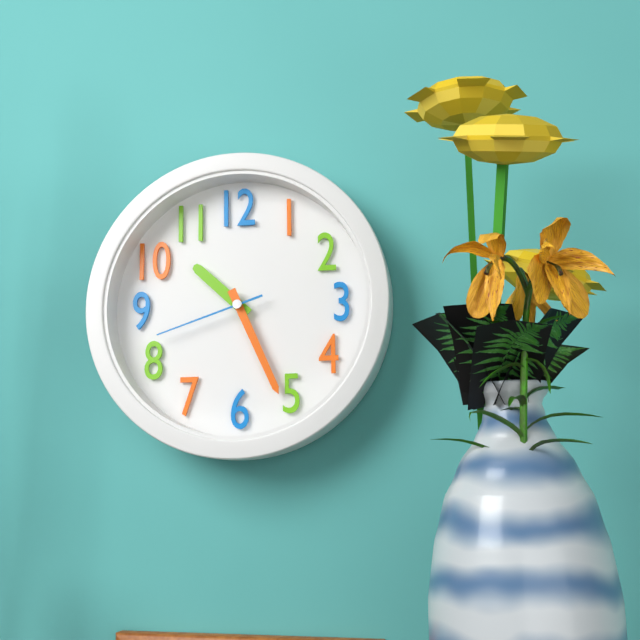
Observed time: 10:26:42
